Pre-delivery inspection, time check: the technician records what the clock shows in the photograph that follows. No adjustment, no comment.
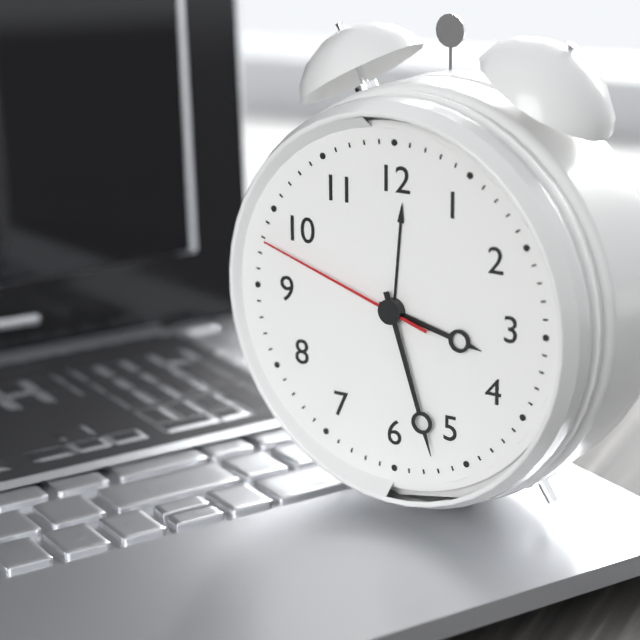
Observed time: 3:27:48
